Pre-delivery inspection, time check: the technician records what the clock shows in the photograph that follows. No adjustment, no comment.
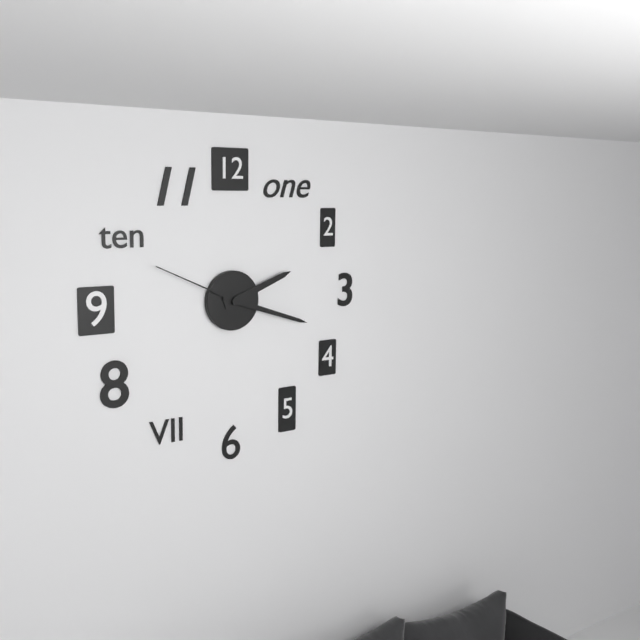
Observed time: 2:18:49
